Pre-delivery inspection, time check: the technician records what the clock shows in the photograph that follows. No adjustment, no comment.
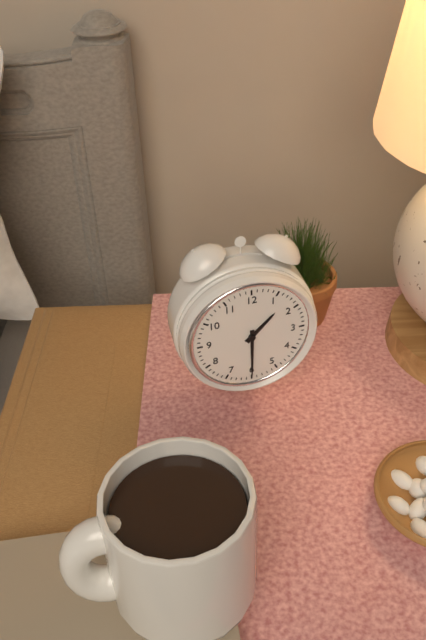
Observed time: 1:30
